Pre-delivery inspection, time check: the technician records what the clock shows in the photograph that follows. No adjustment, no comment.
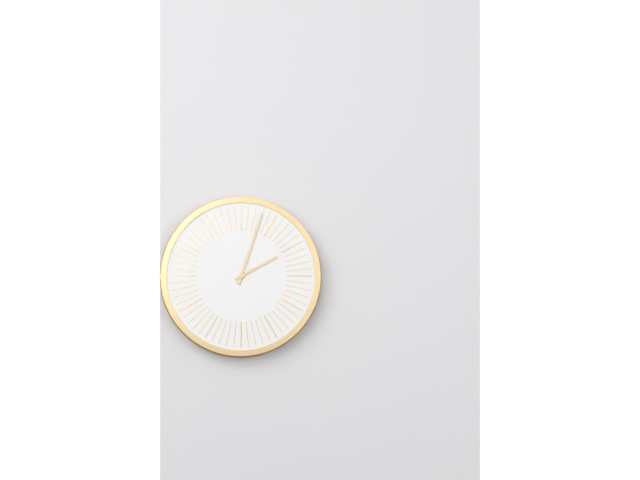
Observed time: 2:03
